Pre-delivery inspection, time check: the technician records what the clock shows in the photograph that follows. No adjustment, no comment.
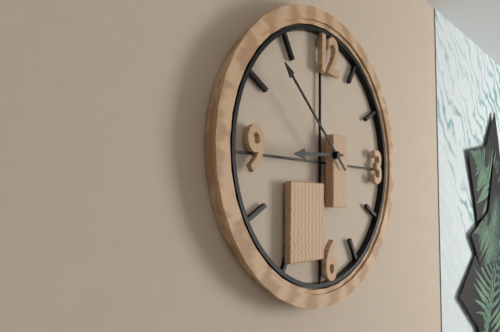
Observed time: 8:52
